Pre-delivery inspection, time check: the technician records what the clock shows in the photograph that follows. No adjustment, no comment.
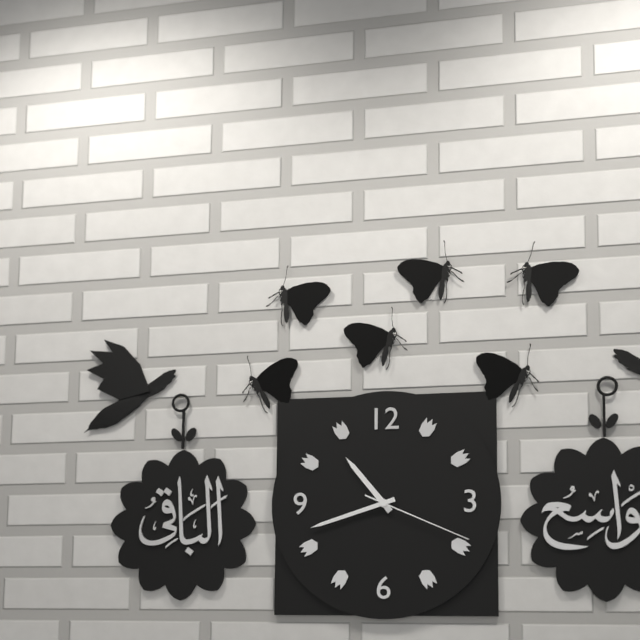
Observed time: 10:42:19
